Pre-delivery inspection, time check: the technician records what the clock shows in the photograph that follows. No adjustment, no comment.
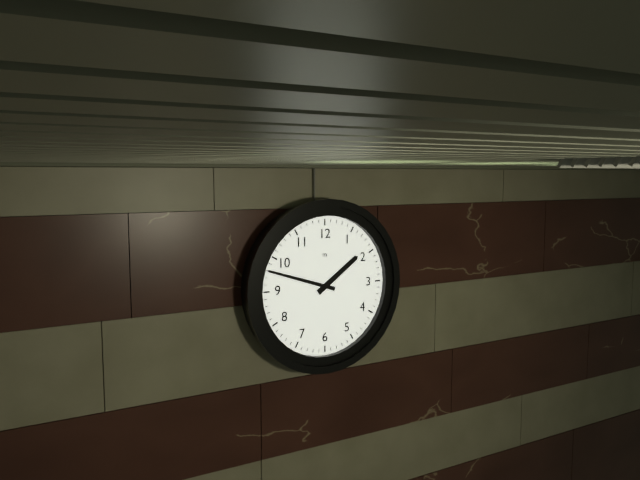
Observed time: 1:48
